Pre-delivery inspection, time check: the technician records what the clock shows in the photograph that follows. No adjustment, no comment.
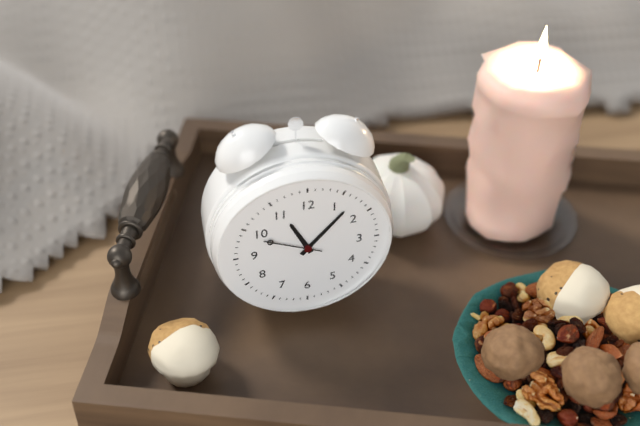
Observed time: 11:07:49
